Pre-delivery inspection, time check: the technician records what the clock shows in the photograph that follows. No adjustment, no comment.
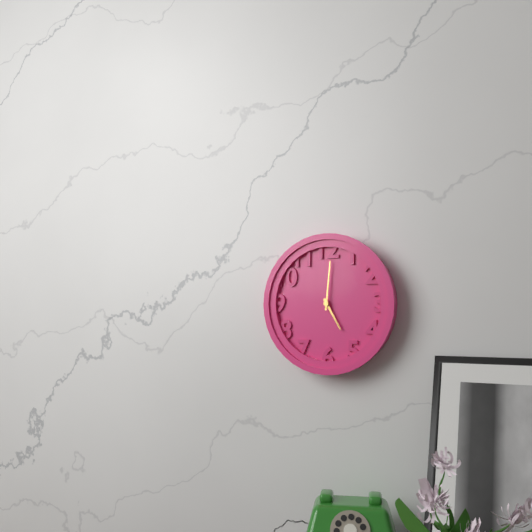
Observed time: 5:01
